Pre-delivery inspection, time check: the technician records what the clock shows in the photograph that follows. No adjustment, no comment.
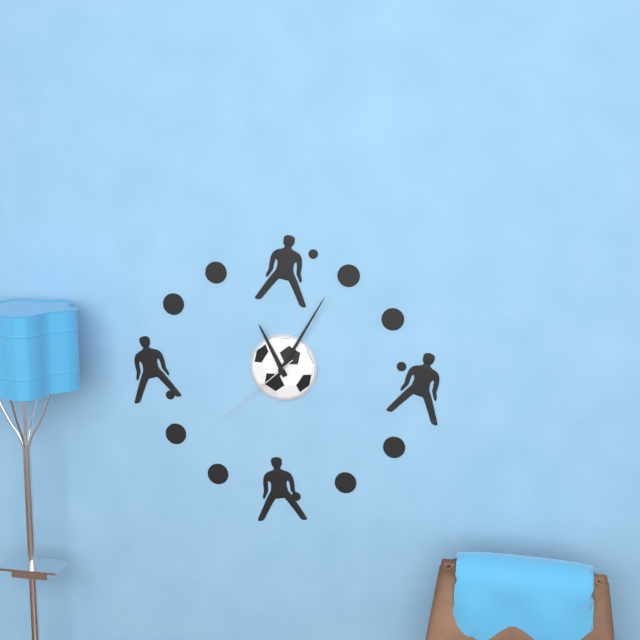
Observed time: 11:05:38
